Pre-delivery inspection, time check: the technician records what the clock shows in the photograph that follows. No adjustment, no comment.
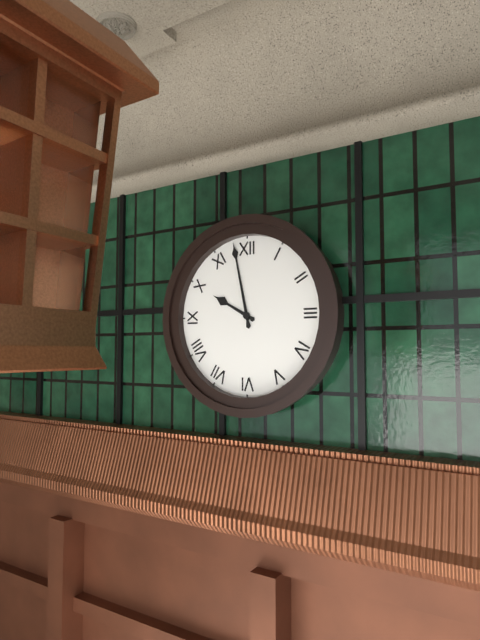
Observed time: 9:58
